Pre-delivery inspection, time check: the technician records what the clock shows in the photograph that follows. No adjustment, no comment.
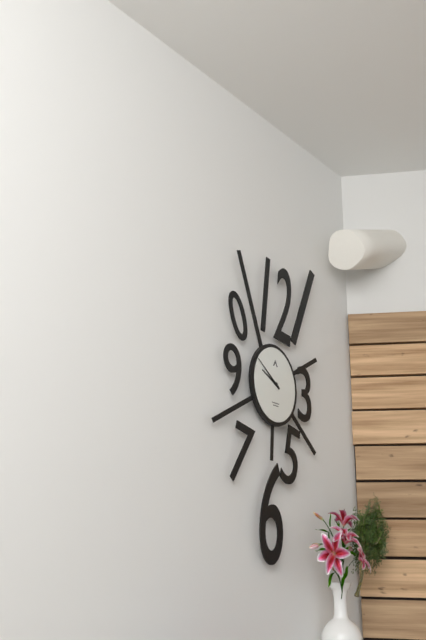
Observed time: 9:51
